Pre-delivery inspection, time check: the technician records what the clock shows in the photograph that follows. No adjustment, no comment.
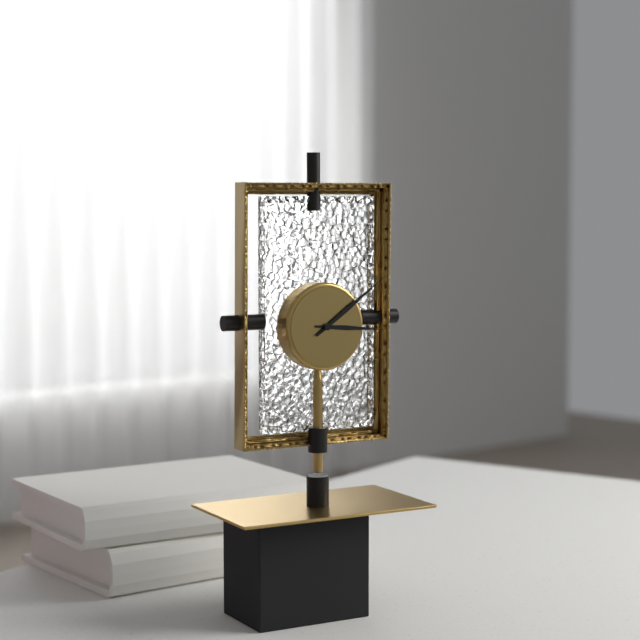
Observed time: 3:09
